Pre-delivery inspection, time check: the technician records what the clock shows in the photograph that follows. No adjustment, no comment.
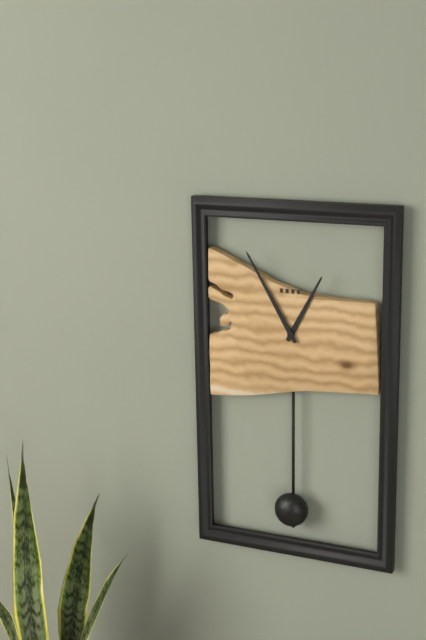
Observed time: 12:55
